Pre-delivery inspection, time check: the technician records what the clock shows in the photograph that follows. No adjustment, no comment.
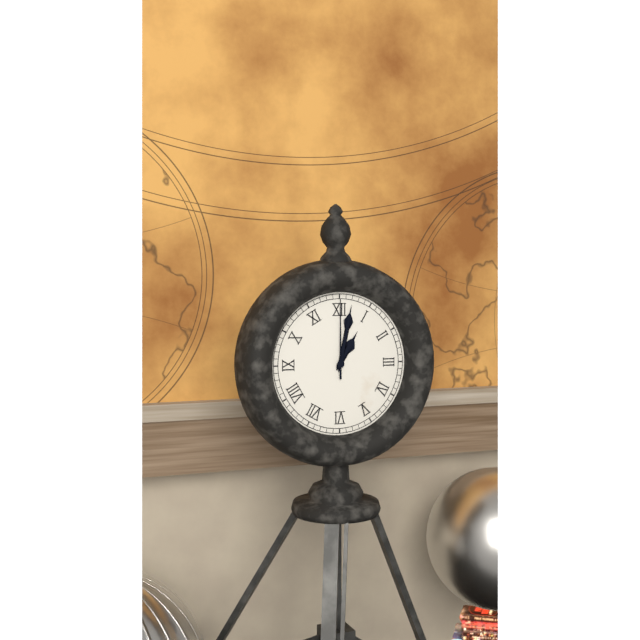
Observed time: 1:02:00
